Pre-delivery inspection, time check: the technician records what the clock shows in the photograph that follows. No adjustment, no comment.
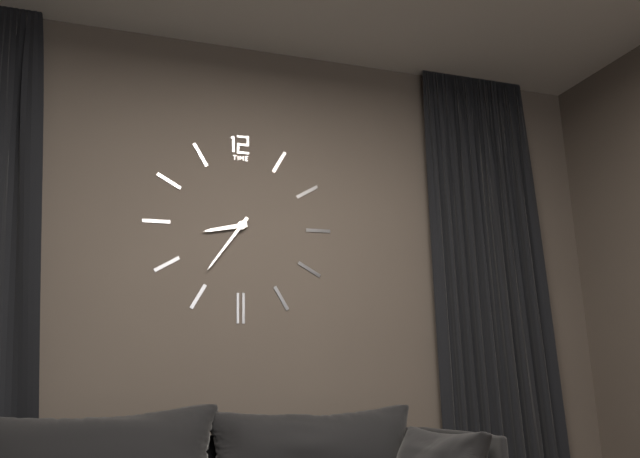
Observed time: 8:36
